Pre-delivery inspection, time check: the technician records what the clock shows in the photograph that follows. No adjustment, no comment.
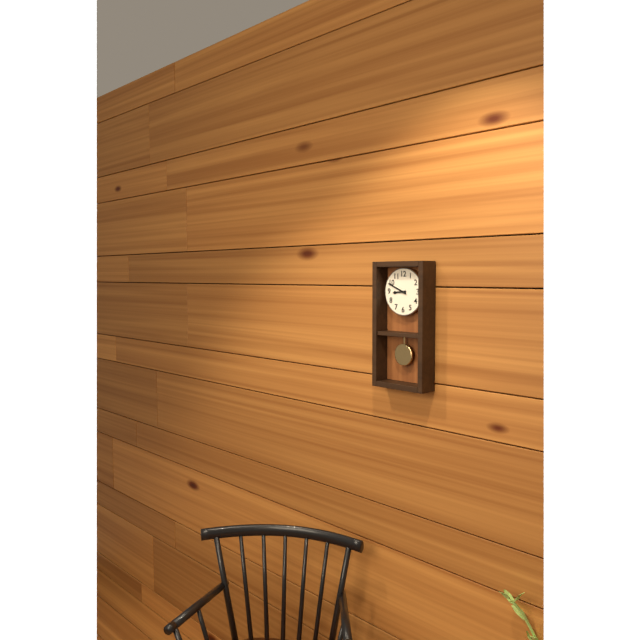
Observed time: 8:49
